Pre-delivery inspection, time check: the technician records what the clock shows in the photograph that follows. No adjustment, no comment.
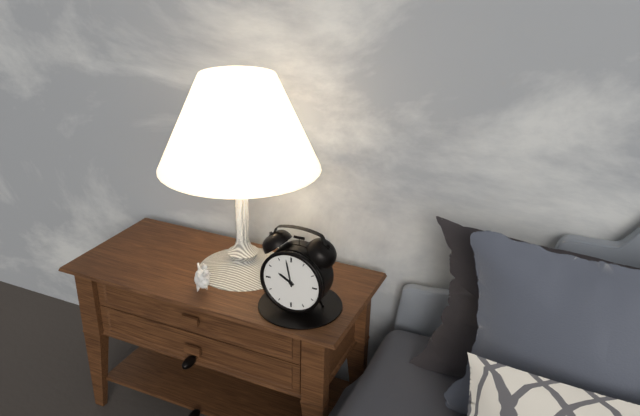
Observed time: 9:58
